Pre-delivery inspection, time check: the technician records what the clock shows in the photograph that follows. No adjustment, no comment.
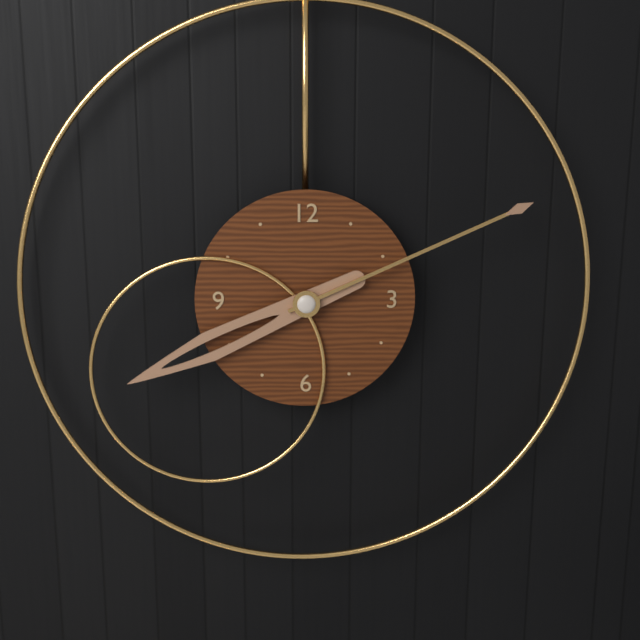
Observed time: 8:11
